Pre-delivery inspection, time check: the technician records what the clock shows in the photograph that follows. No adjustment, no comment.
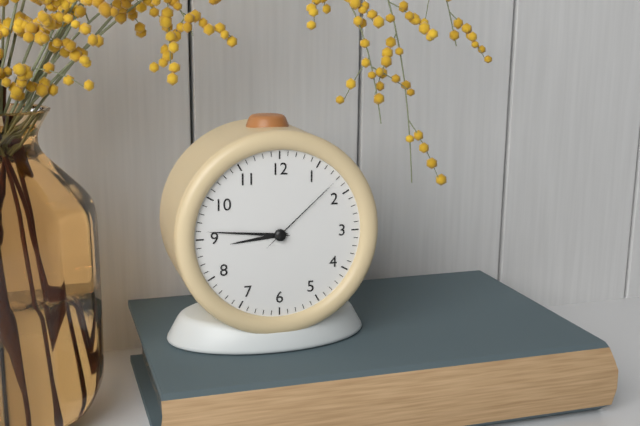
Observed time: 8:46:08
